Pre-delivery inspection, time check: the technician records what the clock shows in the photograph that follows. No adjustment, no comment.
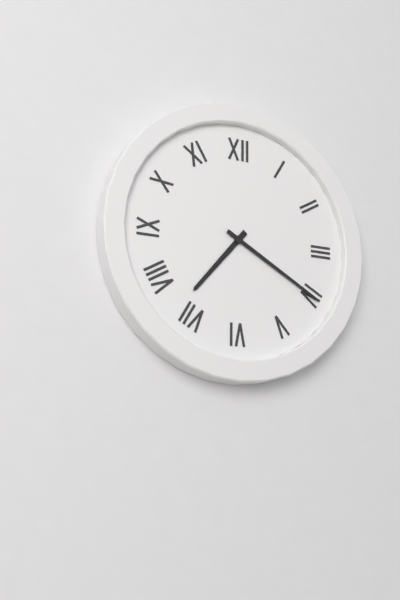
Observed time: 7:20
